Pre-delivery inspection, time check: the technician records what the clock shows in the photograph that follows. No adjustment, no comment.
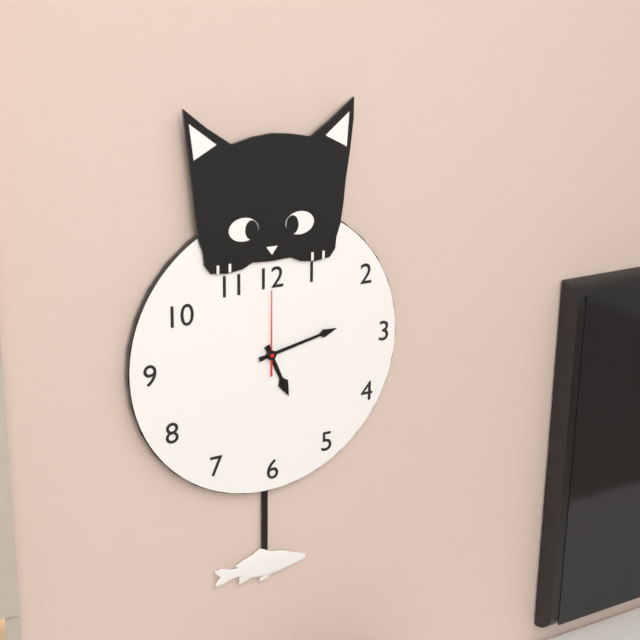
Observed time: 5:13:00
